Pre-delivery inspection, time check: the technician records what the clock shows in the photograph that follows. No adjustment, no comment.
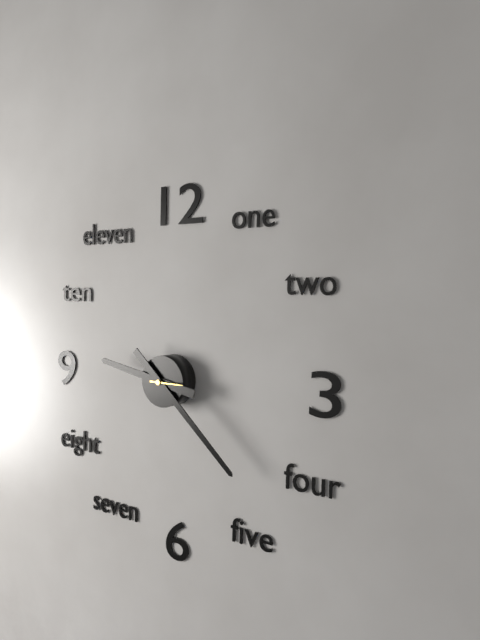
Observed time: 9:22
